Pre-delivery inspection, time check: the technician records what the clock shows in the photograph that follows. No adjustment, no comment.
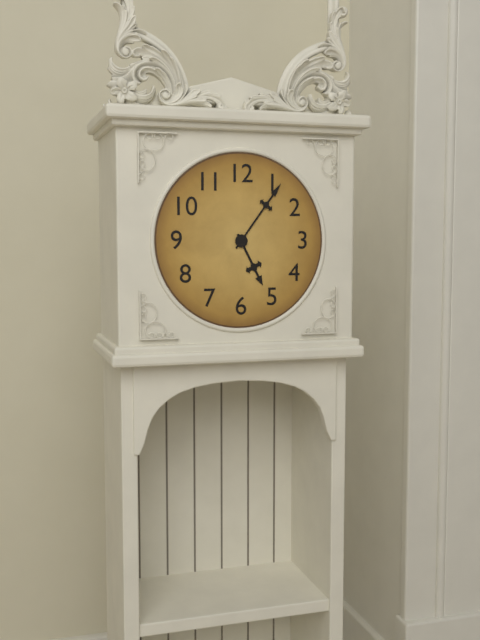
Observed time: 5:06
